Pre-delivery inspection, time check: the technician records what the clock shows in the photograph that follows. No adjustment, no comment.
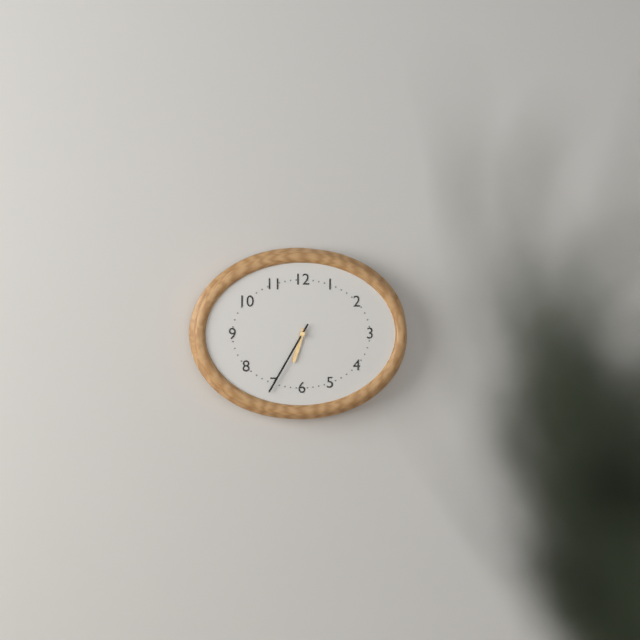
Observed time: 6:35
